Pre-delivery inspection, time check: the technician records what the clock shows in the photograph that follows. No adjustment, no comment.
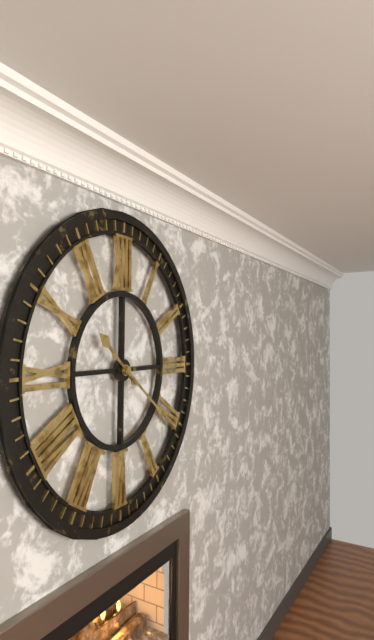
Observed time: 10:21
